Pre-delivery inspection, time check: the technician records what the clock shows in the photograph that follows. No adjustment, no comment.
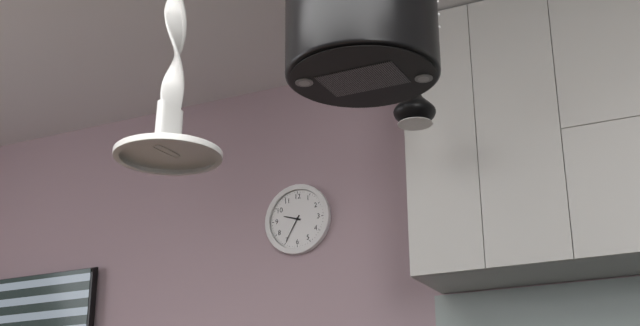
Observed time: 9:35
